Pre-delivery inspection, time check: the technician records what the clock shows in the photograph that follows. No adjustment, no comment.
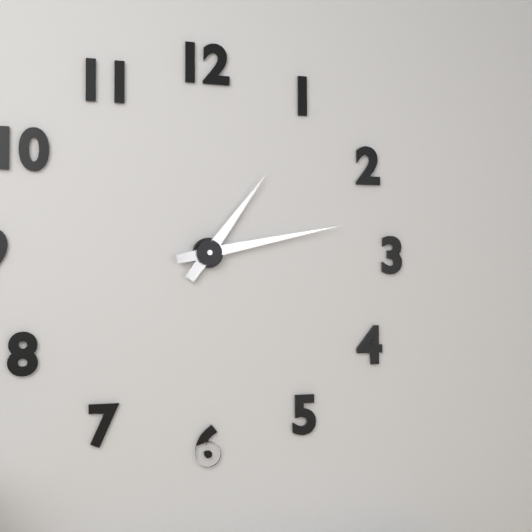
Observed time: 1:13
